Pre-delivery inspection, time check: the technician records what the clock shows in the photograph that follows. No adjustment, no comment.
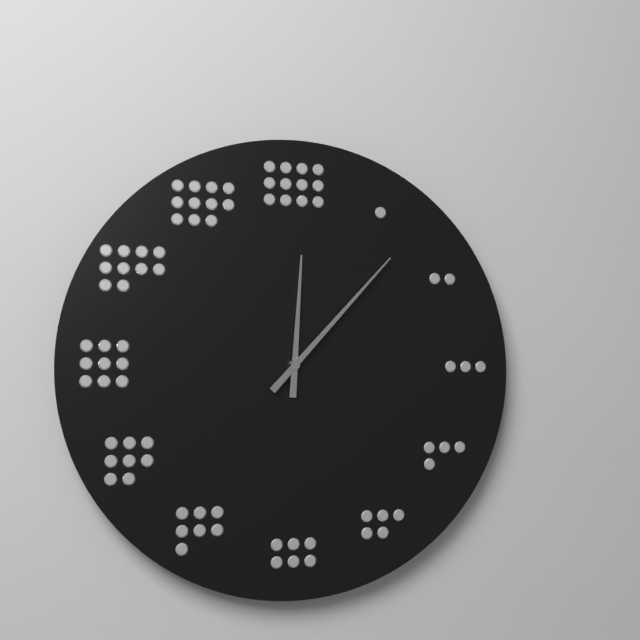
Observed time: 12:07
